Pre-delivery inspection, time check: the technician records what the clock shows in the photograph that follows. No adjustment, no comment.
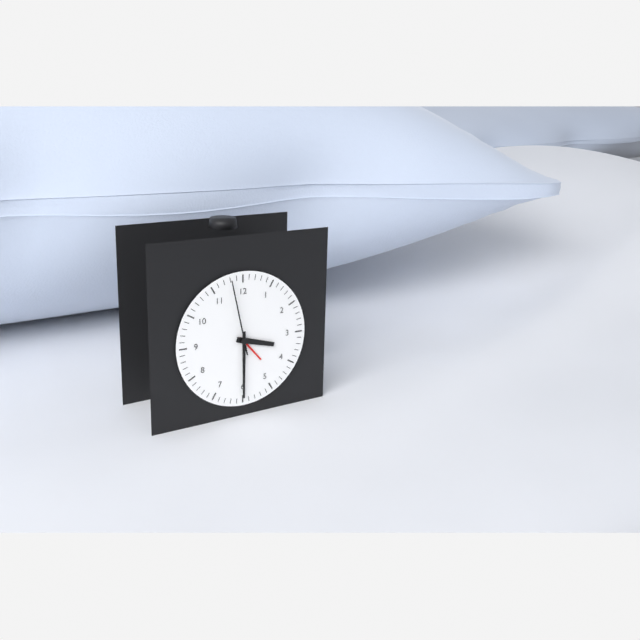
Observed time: 3:30:58
